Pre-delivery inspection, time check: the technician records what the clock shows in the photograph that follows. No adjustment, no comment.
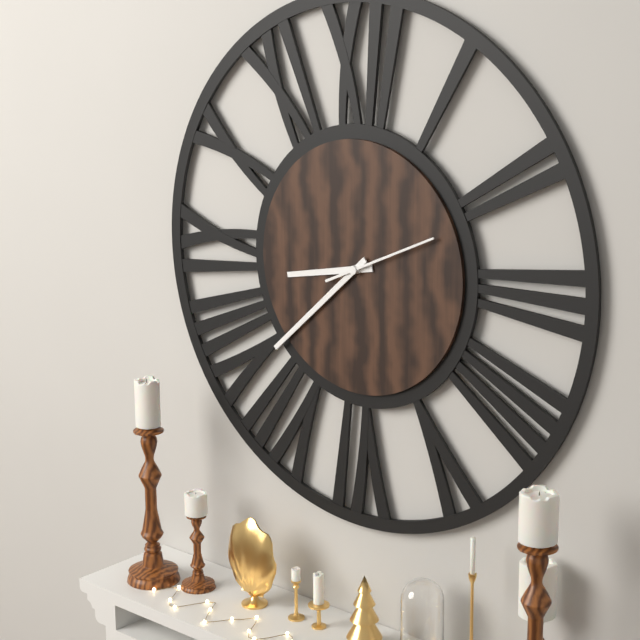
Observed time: 8:38:11
